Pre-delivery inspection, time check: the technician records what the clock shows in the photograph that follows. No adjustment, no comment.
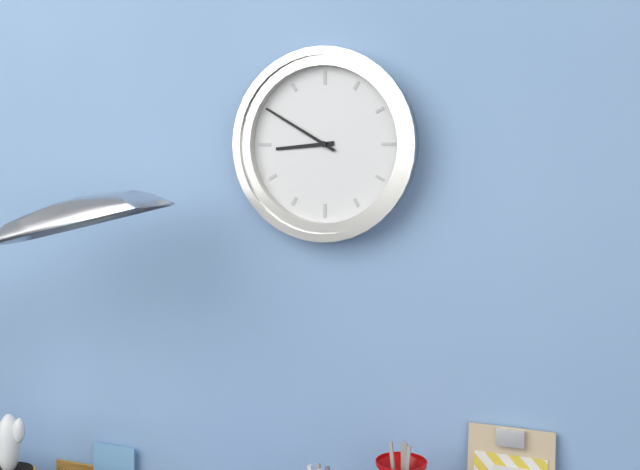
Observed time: 8:50
